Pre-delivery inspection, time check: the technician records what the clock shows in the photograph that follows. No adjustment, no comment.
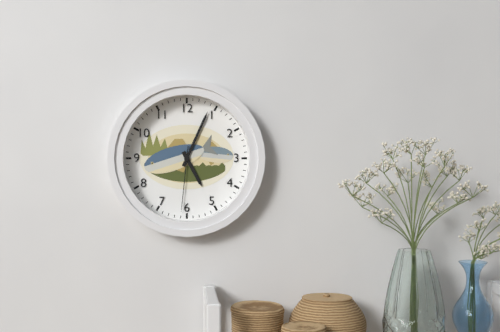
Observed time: 5:04:31
